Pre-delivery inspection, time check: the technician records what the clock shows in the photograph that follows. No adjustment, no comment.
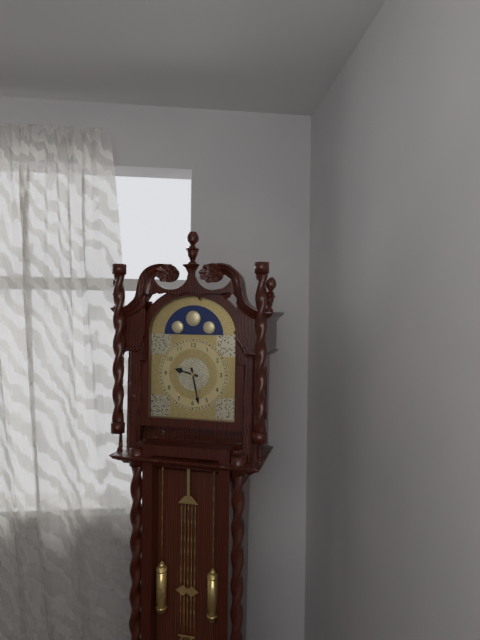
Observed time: 9:28
